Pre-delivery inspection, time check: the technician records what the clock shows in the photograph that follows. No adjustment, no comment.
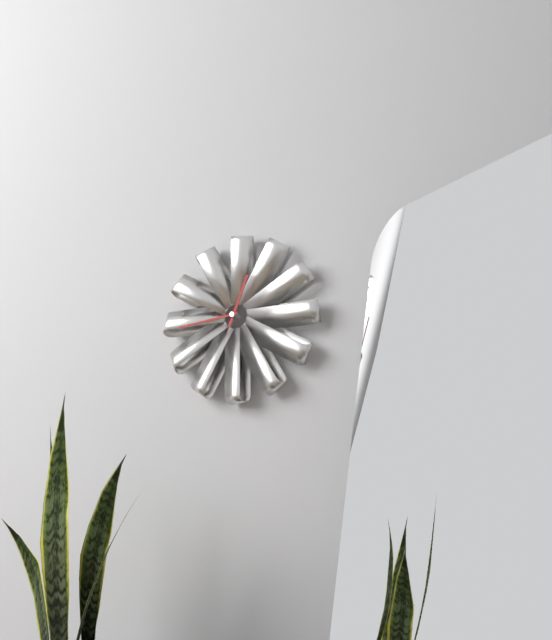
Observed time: 12:44
